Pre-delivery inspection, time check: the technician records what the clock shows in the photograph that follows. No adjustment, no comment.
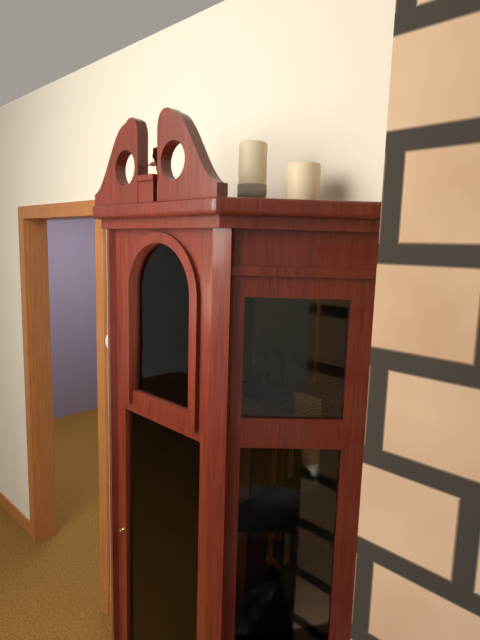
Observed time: 1:35
